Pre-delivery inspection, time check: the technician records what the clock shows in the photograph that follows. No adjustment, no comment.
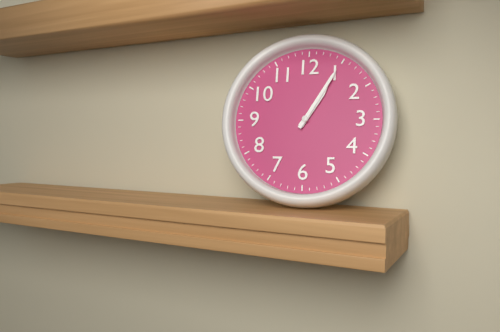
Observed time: 1:05
